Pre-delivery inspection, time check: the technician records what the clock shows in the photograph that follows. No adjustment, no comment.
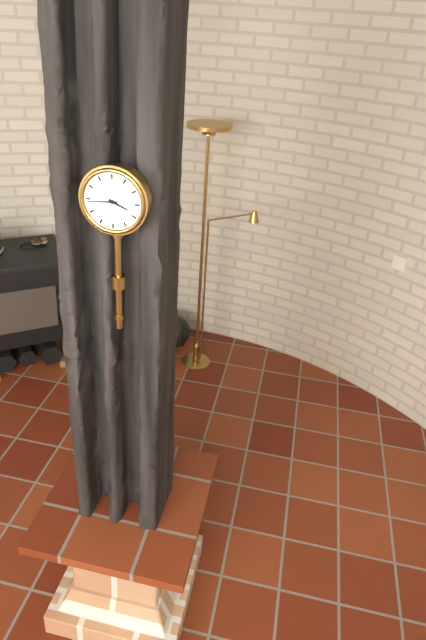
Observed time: 3:44
